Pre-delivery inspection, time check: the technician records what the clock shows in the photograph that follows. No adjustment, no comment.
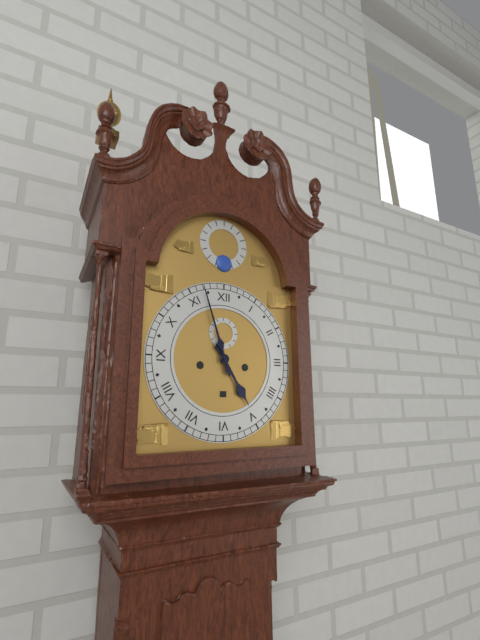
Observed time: 4:57
